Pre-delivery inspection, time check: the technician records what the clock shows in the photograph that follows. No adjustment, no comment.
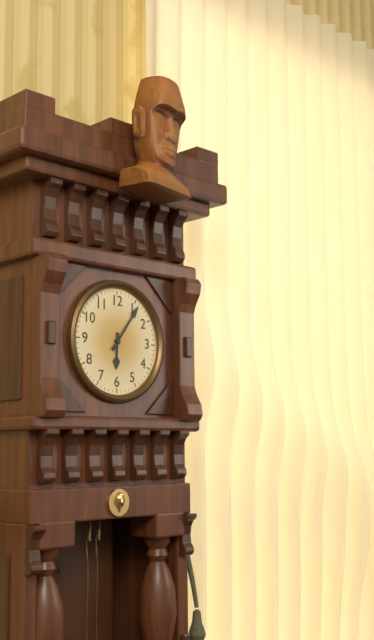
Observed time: 6:06
